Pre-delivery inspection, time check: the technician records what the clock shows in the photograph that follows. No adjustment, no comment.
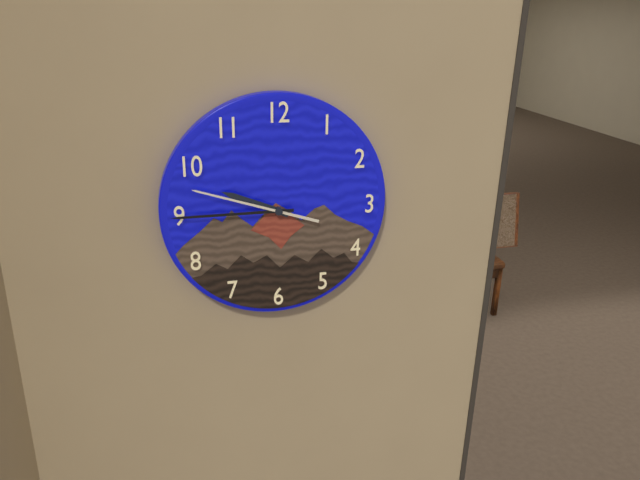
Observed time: 9:45:48
